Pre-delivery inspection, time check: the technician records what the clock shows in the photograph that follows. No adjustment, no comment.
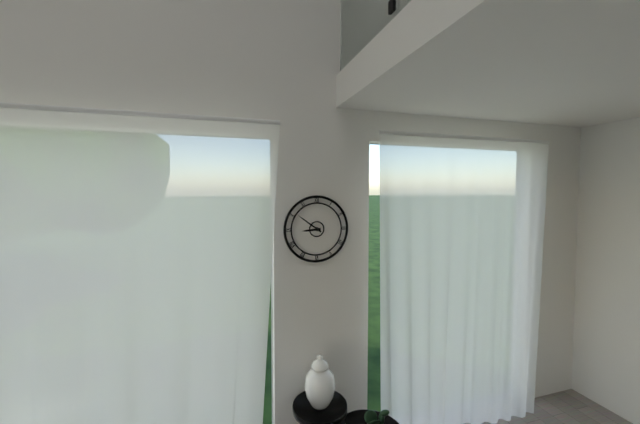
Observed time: 8:51
